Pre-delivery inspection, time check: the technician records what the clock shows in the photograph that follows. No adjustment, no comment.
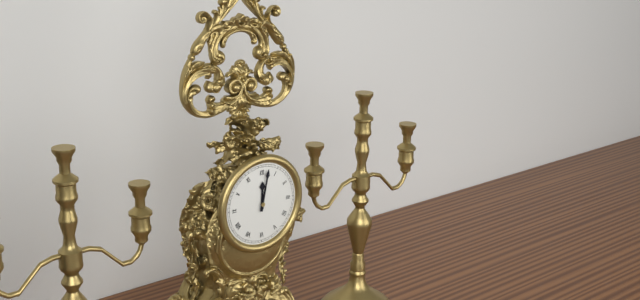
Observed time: 12:02
